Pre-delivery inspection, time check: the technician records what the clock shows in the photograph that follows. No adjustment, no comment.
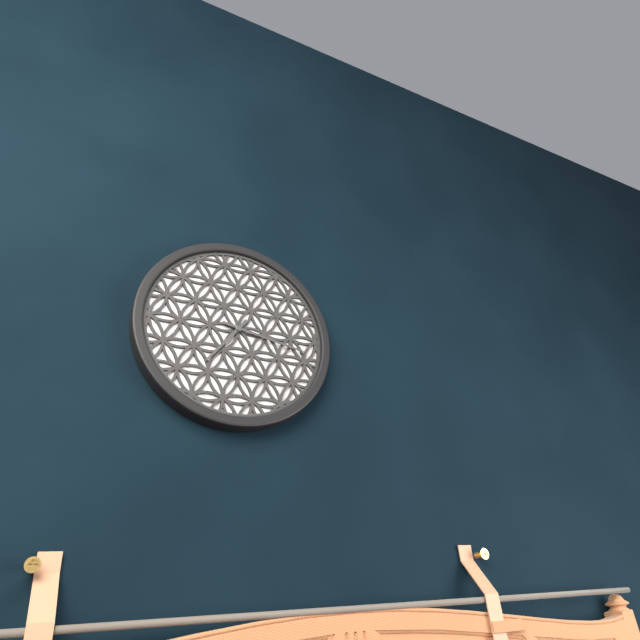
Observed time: 7:17
